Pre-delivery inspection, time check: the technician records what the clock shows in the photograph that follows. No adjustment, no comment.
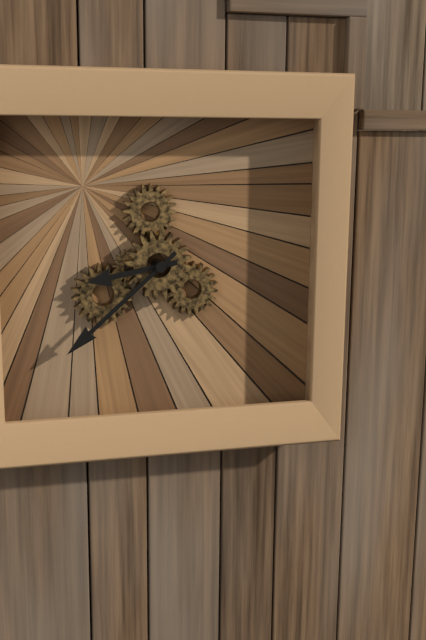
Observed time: 8:38
